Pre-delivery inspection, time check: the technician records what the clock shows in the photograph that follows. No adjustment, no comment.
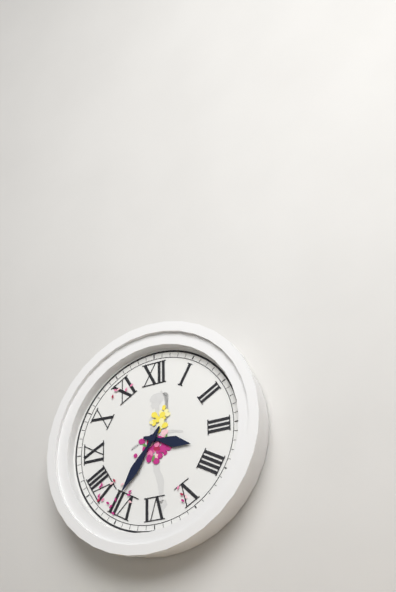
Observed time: 3:36
